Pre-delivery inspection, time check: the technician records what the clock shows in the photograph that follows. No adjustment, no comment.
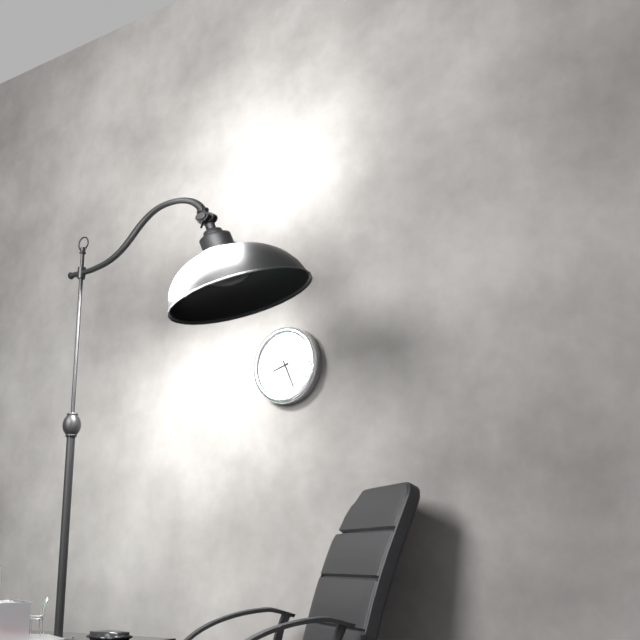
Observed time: 8:26
